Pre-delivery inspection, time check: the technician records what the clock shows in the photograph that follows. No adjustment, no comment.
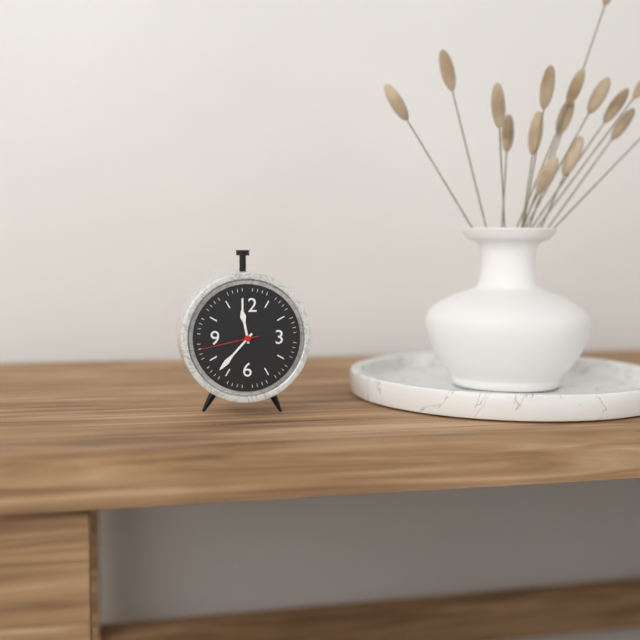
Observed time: 11:37:43
